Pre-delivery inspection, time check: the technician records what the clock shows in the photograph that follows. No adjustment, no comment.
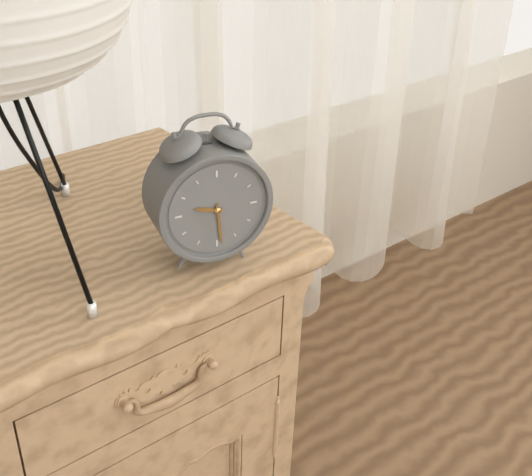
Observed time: 9:29
